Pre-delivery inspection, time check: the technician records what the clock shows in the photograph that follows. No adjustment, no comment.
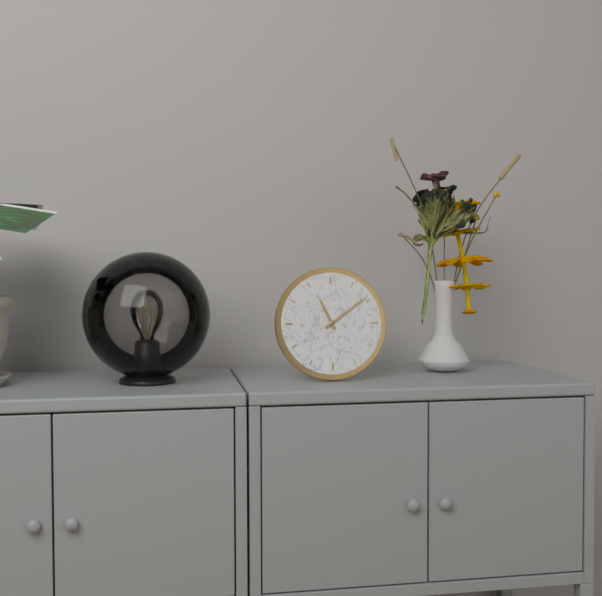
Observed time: 11:09
